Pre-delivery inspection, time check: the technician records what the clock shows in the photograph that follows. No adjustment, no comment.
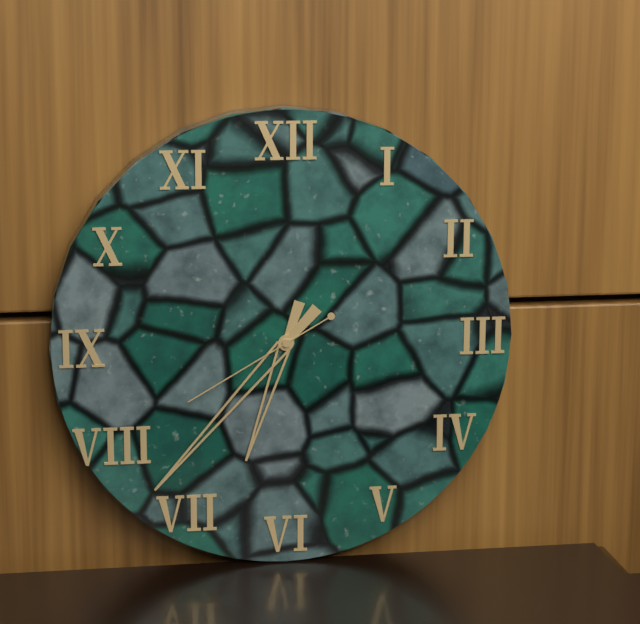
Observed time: 6:37:40
